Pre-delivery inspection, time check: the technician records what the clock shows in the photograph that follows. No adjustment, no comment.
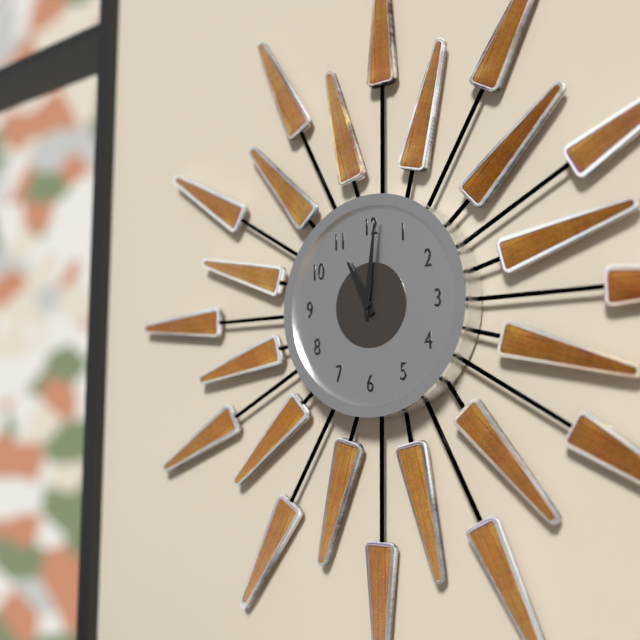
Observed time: 11:01
